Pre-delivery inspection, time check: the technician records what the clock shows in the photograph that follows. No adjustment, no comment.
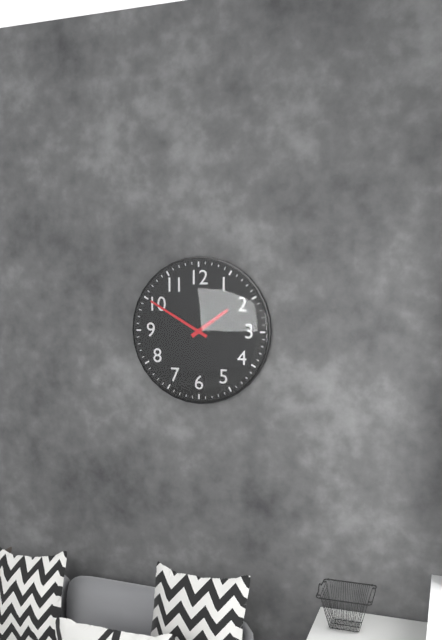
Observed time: 1:50
